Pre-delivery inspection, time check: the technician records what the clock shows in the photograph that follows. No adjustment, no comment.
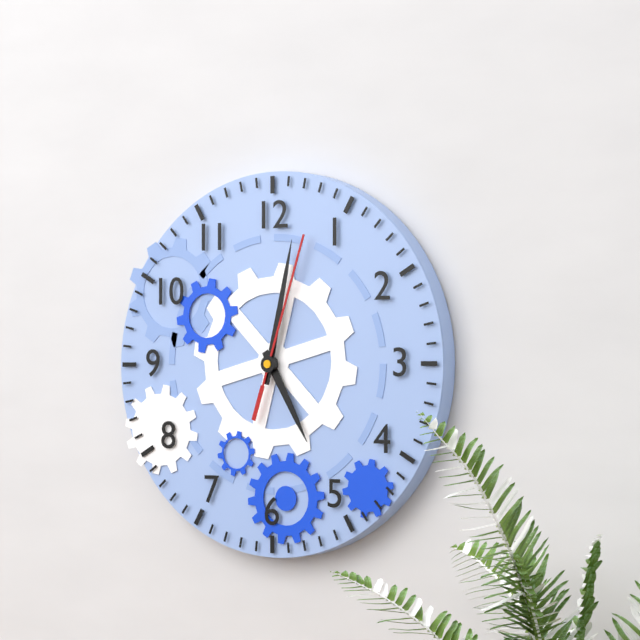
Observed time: 5:02:03
